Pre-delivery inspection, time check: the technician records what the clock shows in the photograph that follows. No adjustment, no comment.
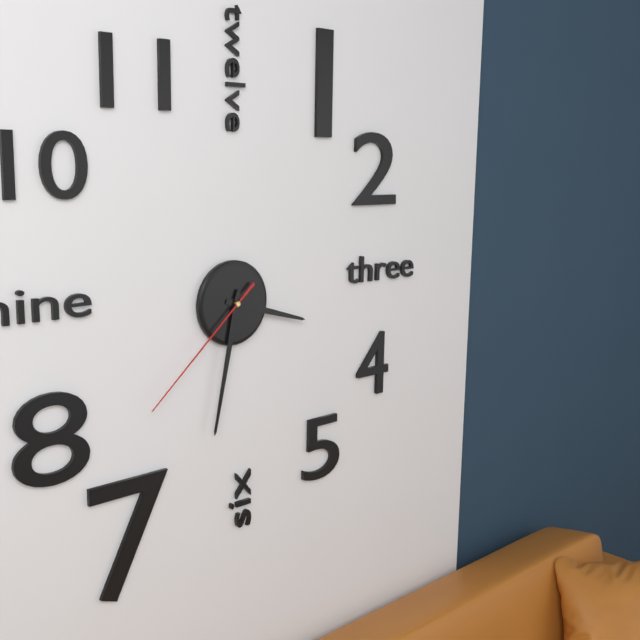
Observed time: 3:32:38
